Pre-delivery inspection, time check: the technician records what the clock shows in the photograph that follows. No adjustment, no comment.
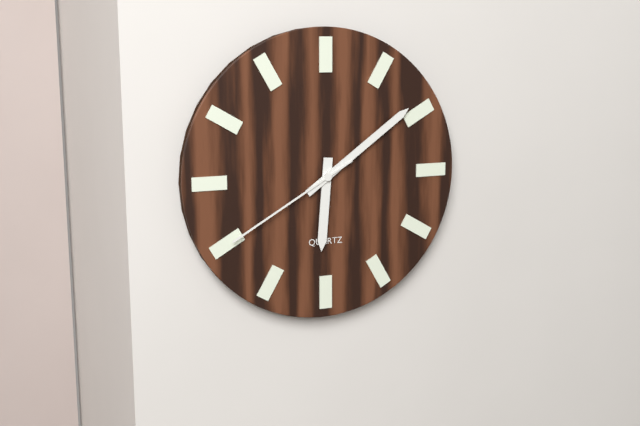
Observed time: 6:09:40
